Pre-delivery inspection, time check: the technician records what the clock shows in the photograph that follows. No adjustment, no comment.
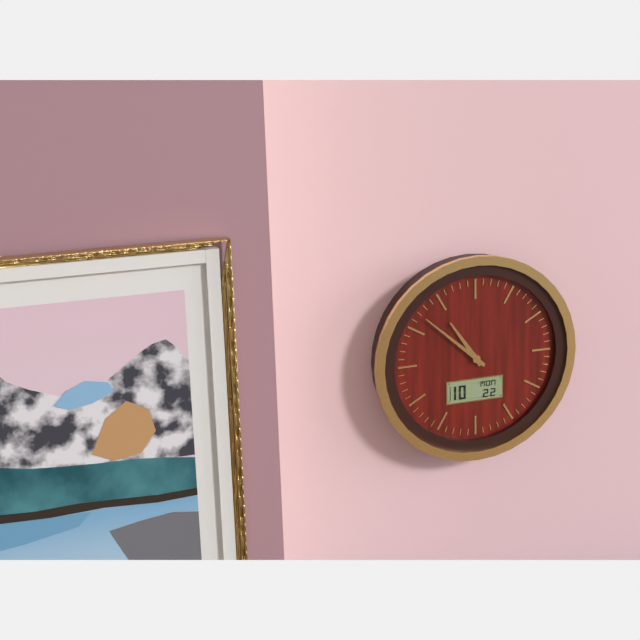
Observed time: 10:52
